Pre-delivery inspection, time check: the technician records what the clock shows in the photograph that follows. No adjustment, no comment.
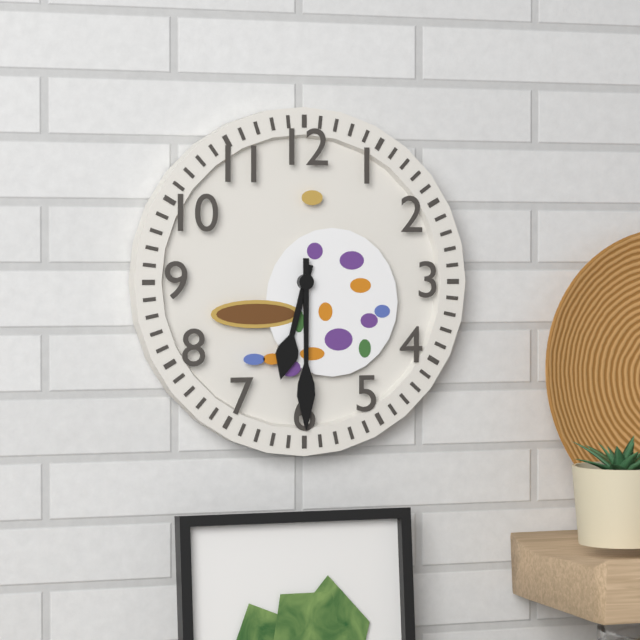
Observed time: 6:30
